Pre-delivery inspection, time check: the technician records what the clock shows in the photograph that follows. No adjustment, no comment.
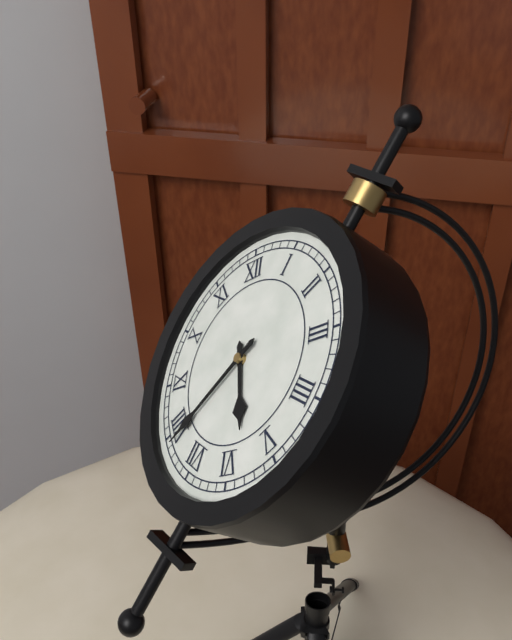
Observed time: 5:39
